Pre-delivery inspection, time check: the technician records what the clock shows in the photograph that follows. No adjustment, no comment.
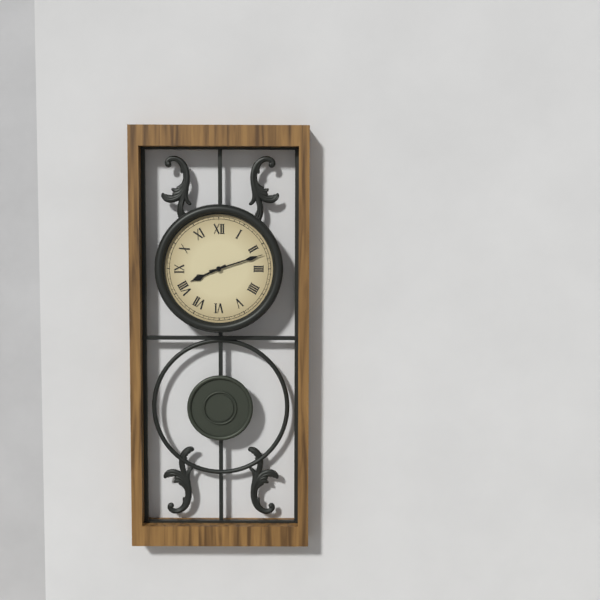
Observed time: 8:12
